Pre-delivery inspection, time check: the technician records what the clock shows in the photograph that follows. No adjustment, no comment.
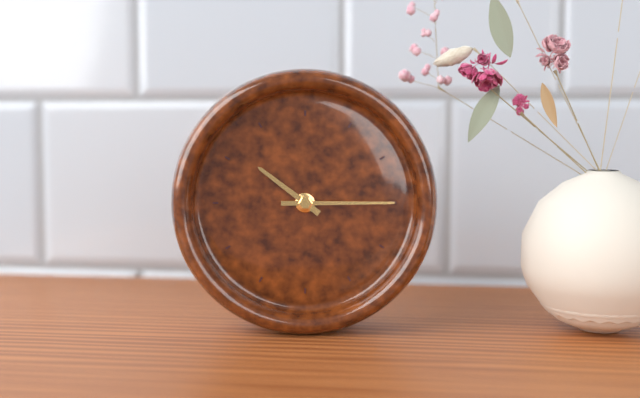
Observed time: 10:15
